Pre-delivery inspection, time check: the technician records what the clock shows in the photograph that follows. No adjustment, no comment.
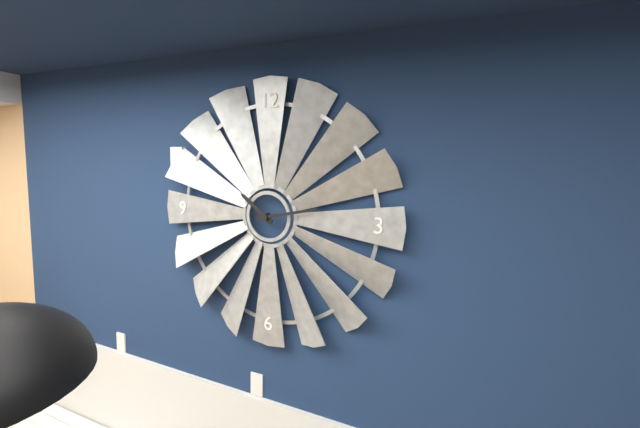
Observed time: 10:13
